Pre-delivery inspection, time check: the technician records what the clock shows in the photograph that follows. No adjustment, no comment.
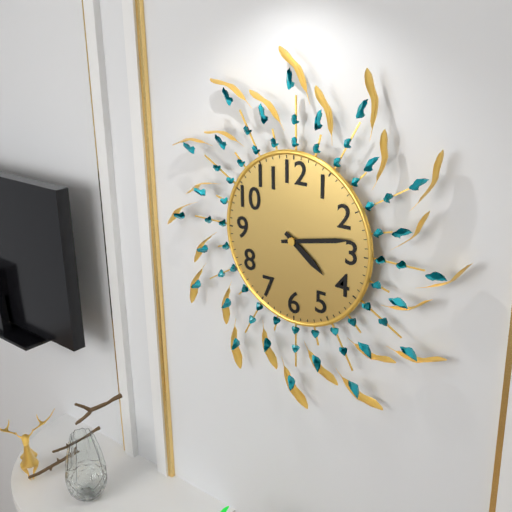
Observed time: 4:13
